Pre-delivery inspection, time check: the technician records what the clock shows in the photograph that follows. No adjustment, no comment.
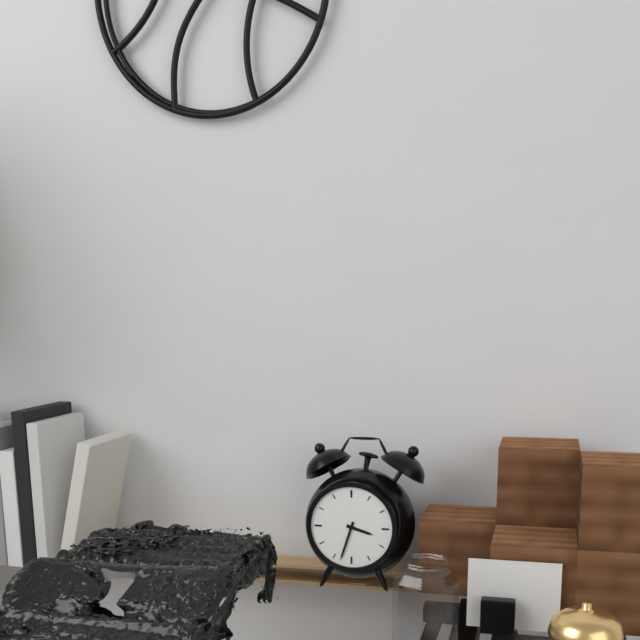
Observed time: 3:33
